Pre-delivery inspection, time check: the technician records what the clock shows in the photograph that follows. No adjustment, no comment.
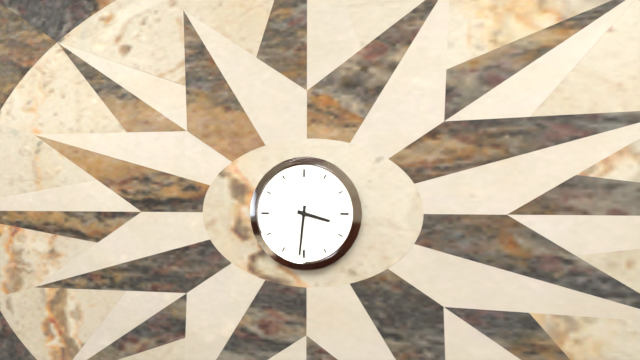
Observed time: 3:31
